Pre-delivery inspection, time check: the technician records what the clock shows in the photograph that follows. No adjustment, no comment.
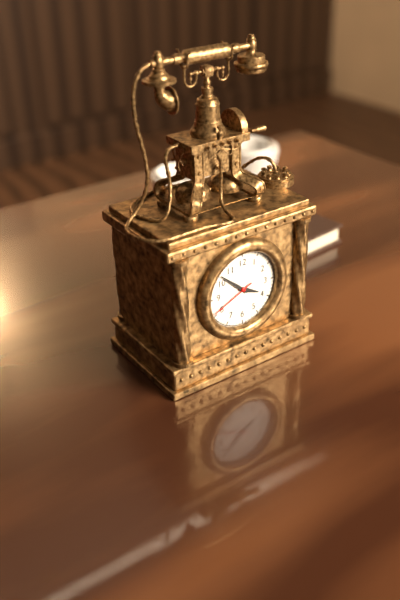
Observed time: 3:52
